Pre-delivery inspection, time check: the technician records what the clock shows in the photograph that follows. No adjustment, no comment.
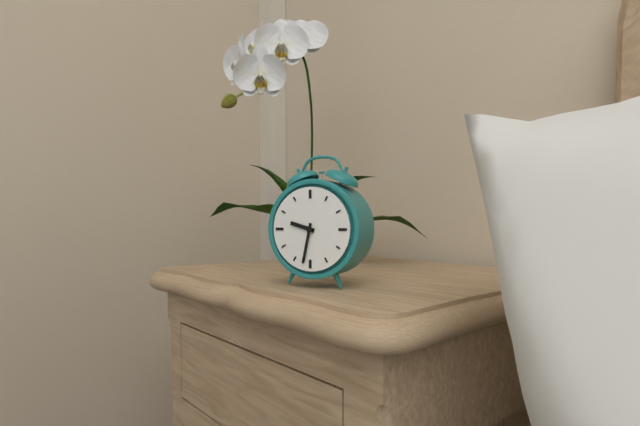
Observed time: 9:32
